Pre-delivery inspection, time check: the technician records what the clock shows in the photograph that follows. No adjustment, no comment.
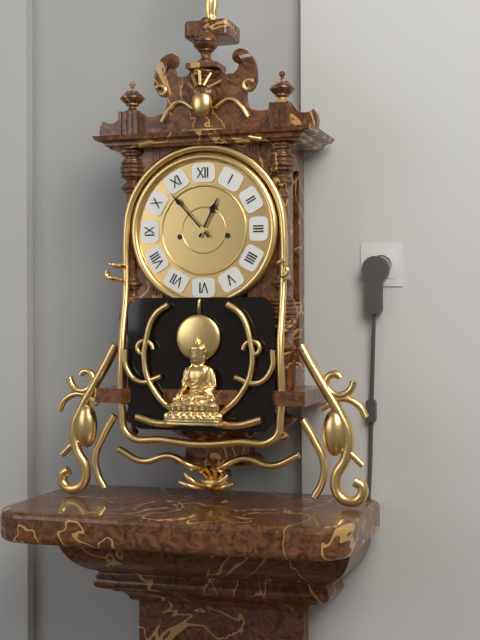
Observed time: 12:53
